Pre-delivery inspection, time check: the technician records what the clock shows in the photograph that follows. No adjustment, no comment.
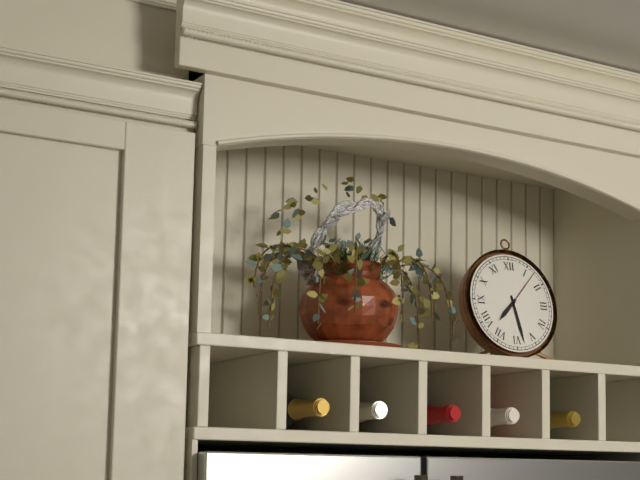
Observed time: 7:28
